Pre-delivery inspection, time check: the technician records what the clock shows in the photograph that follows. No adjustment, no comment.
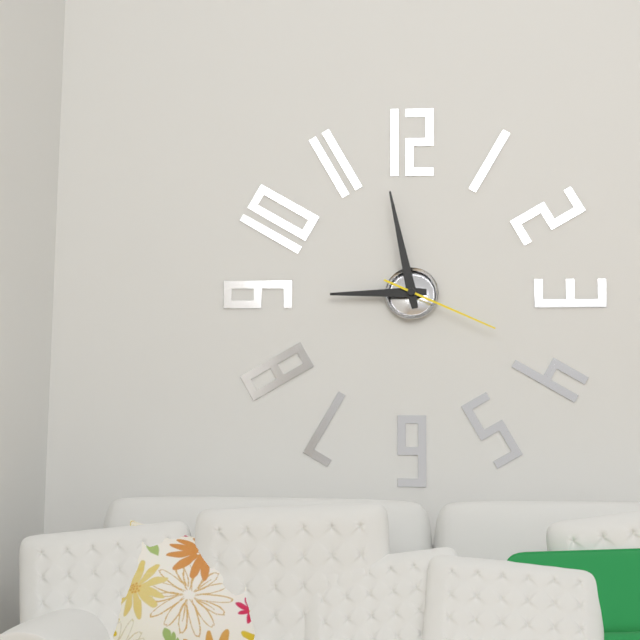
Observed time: 8:58:19
